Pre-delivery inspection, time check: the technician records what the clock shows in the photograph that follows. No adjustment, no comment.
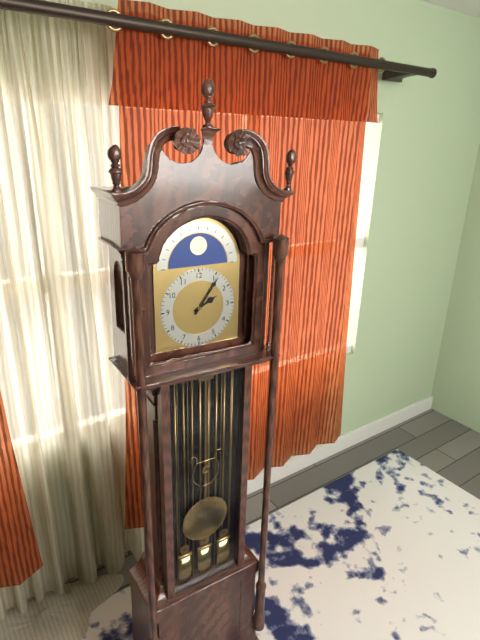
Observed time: 2:06
